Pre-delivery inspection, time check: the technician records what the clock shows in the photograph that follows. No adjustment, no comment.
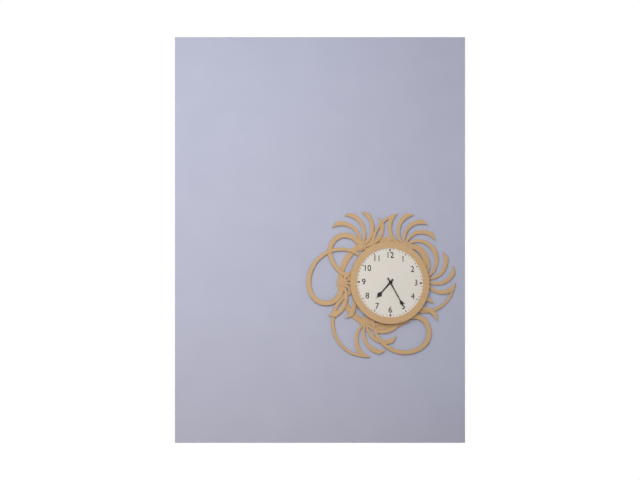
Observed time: 7:25
